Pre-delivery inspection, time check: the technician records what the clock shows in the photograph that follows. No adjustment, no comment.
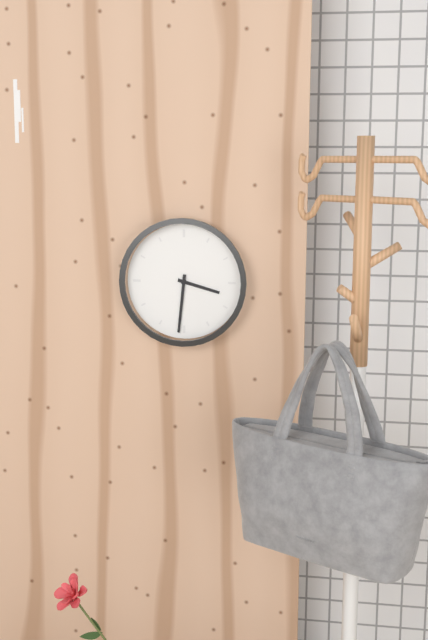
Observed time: 3:31
